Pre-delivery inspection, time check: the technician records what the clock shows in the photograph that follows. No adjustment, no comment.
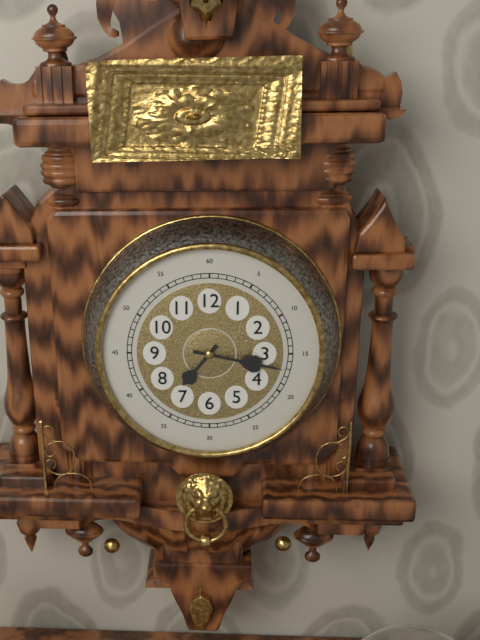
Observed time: 7:17
